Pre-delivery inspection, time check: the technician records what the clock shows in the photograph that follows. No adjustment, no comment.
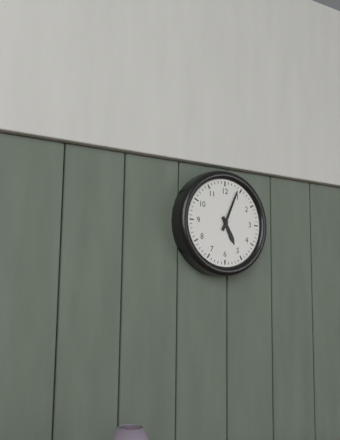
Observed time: 5:04
